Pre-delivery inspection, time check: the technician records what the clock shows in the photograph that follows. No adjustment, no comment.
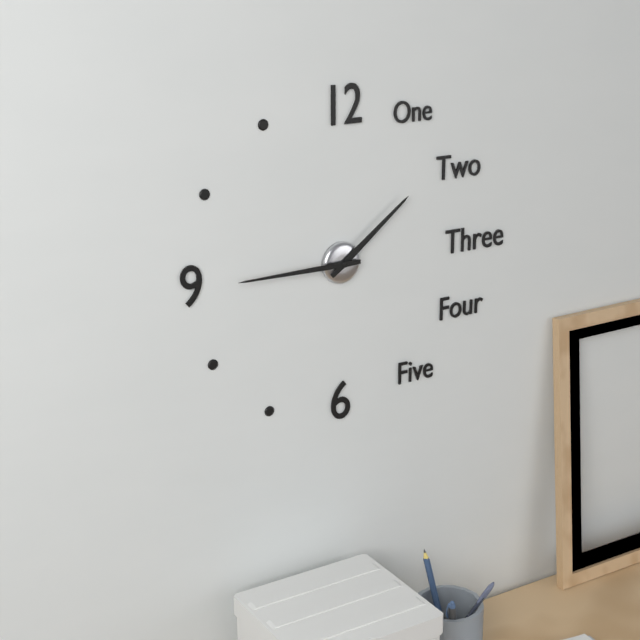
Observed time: 1:45
